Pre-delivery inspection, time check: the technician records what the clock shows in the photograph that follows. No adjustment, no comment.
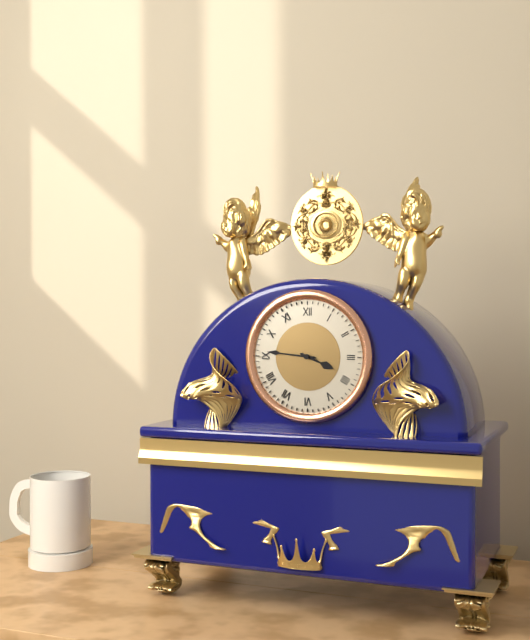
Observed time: 3:46
